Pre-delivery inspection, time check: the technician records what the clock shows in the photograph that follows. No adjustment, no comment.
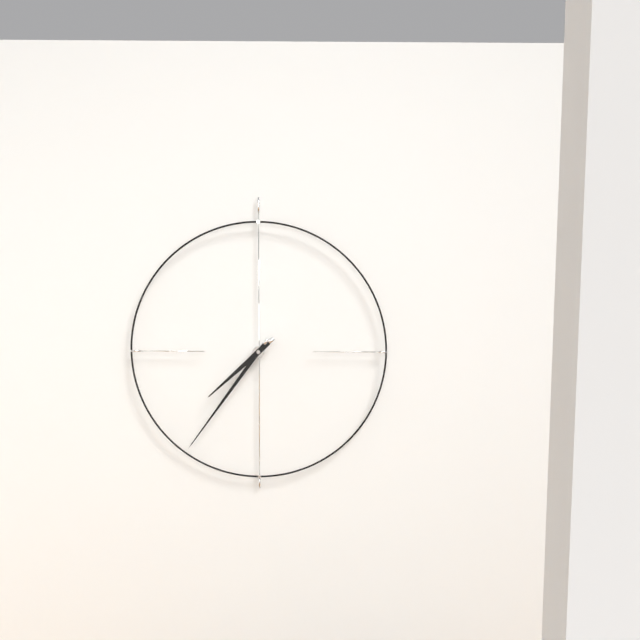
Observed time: 7:36
